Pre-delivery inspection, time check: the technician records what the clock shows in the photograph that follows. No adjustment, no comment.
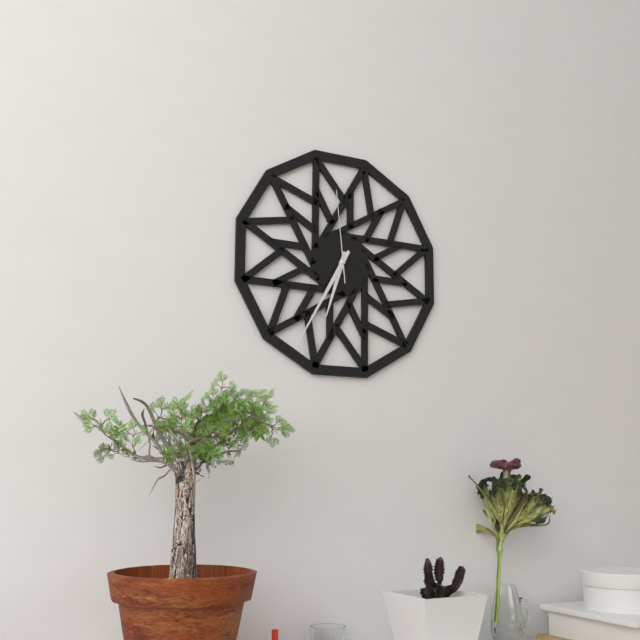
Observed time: 6:35:59
